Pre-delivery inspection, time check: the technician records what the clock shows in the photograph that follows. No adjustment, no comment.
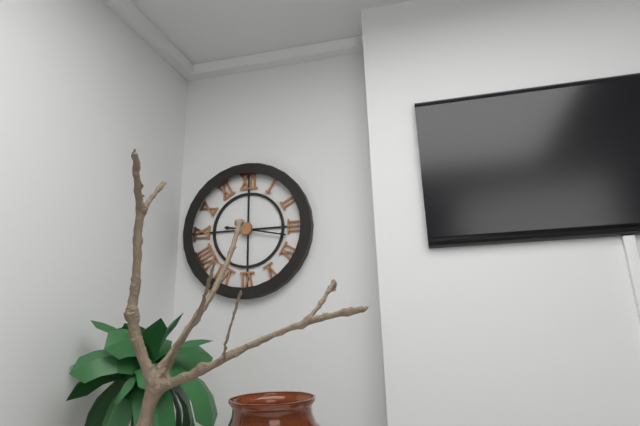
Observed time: 9:17
